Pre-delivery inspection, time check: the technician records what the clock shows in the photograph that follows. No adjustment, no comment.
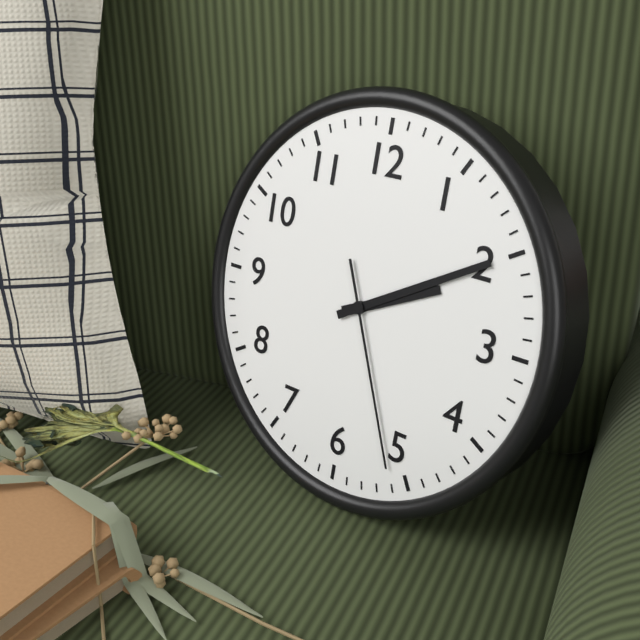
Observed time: 2:10:26
